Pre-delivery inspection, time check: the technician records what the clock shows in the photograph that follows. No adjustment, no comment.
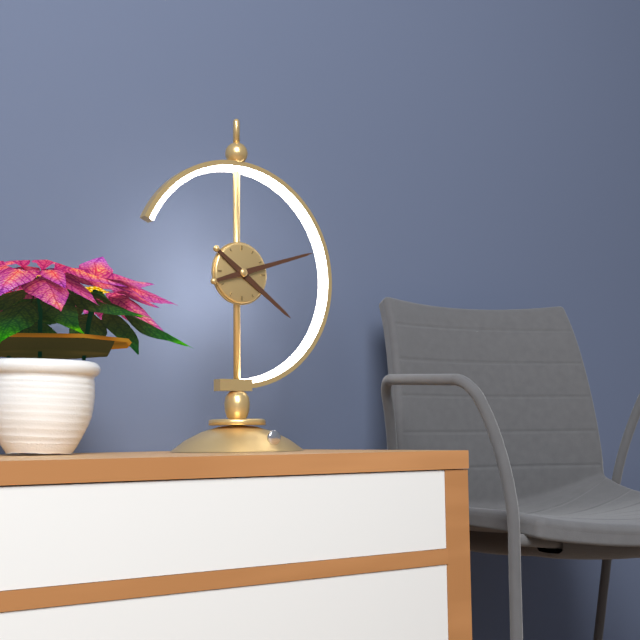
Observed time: 4:12
